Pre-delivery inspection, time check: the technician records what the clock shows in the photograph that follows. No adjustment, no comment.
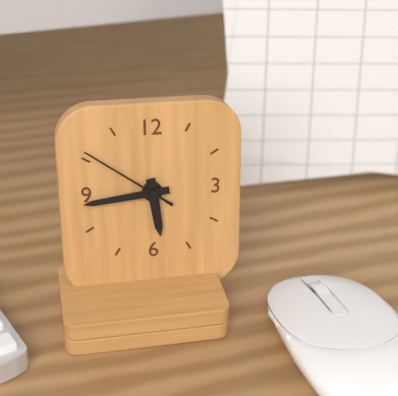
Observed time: 5:44:51
